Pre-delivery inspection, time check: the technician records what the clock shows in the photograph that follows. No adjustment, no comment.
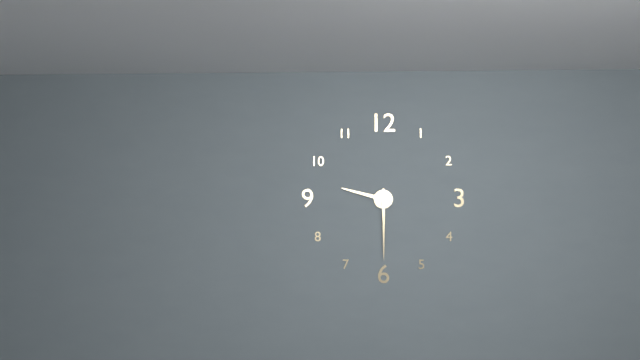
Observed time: 9:30
